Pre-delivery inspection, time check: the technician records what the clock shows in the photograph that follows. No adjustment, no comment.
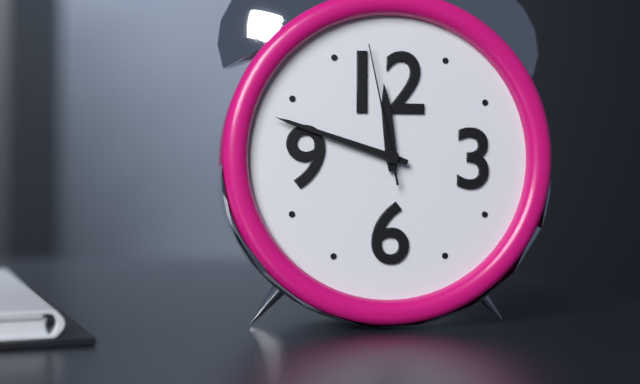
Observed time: 11:48:58
